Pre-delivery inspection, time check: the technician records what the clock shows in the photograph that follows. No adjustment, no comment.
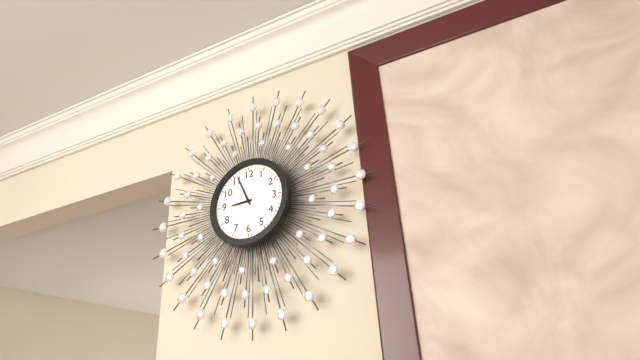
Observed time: 8:56
